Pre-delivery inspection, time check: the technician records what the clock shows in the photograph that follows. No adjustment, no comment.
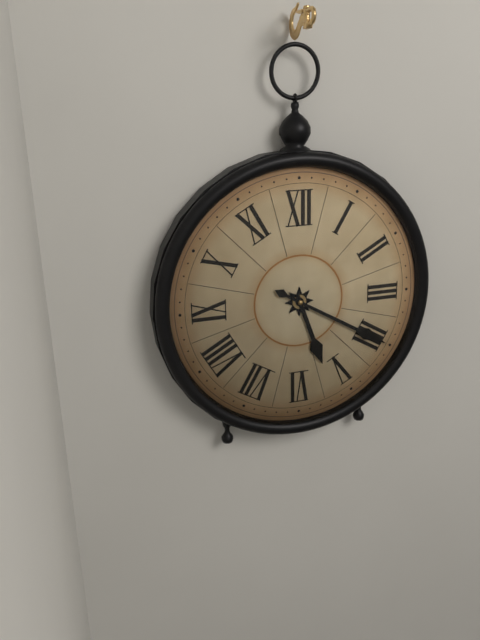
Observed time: 5:20
